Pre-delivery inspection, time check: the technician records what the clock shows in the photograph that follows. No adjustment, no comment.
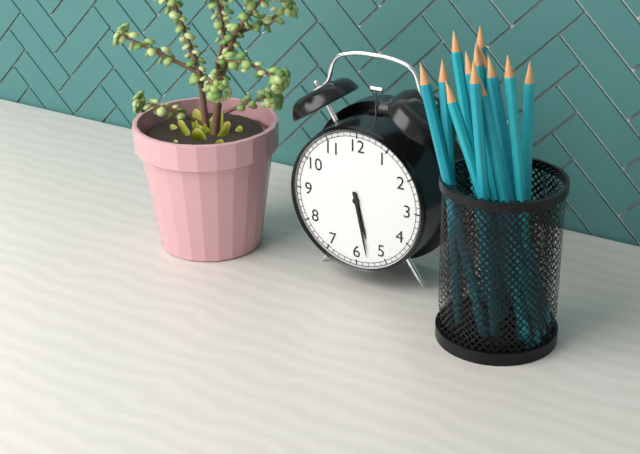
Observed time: 5:28
